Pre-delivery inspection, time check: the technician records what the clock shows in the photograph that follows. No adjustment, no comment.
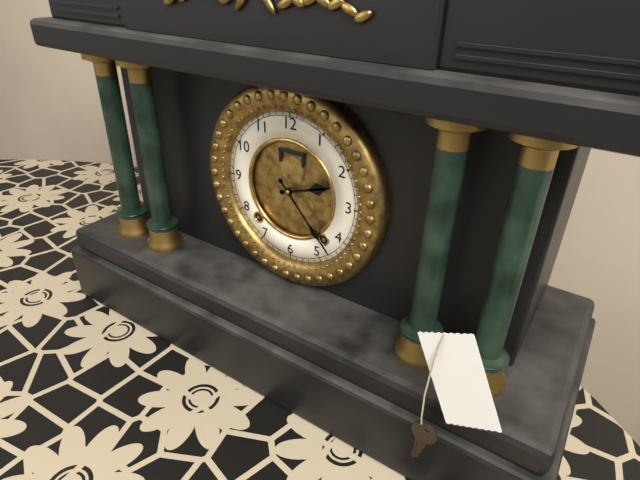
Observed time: 2:23
